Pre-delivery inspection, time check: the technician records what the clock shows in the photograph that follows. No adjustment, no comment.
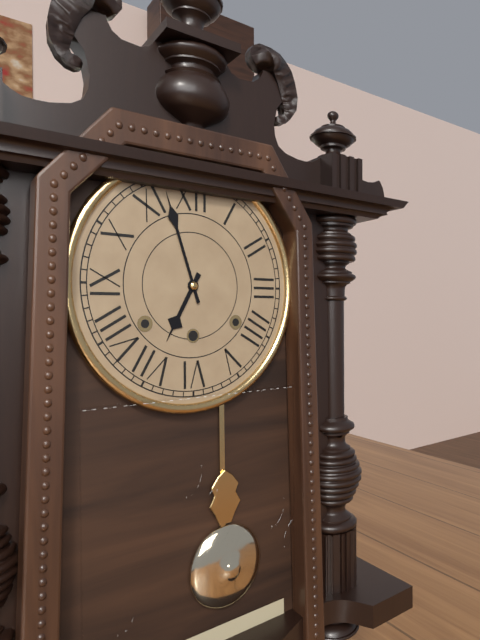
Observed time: 6:57
